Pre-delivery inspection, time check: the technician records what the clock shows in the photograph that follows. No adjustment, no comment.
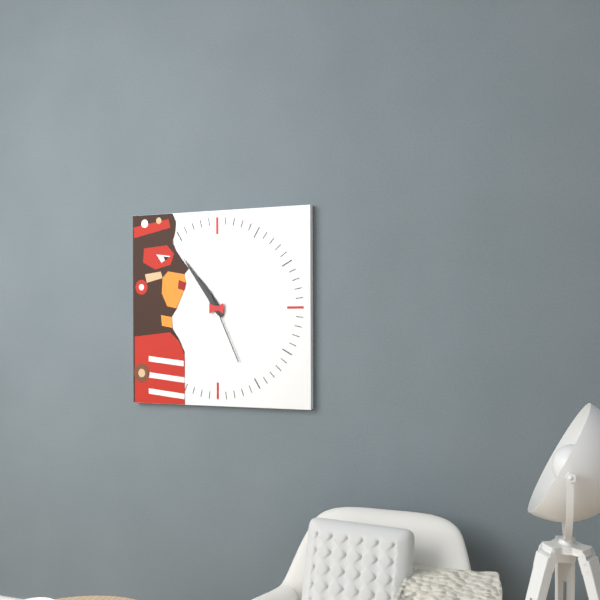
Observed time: 10:54:26
